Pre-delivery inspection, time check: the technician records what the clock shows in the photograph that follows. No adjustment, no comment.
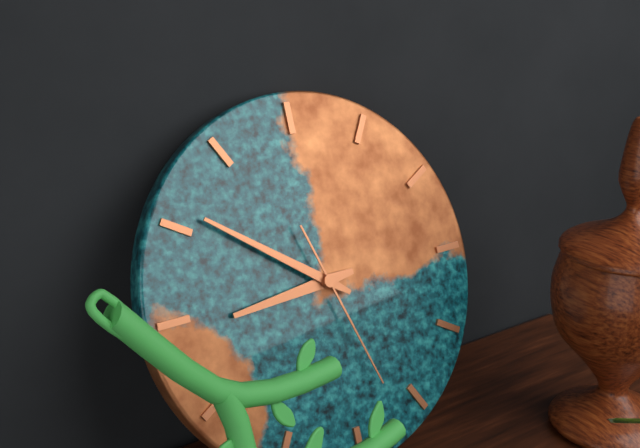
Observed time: 8:51:27
